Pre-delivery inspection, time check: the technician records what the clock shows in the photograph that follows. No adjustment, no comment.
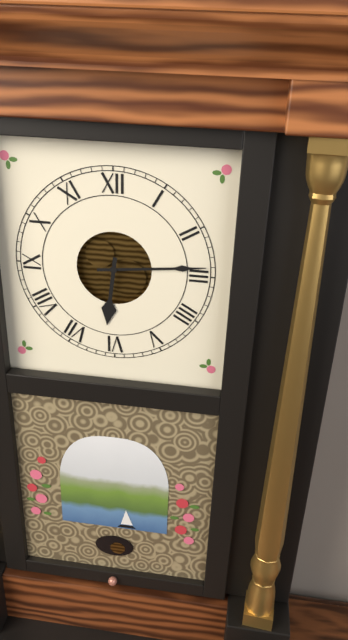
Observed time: 6:14
